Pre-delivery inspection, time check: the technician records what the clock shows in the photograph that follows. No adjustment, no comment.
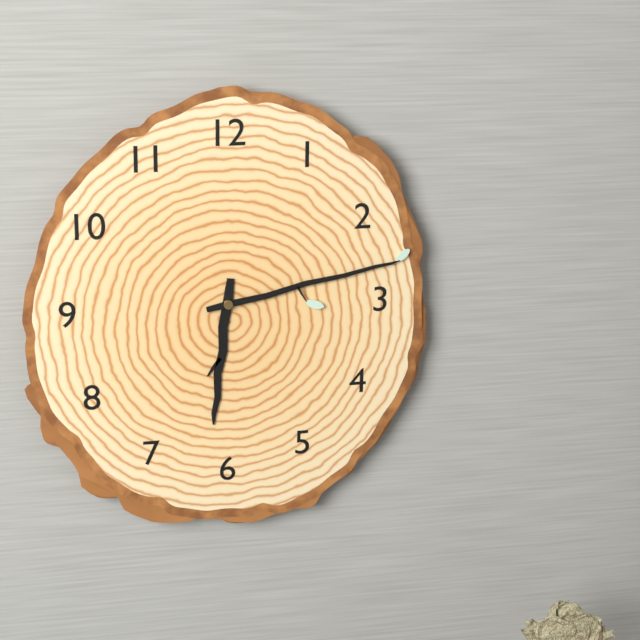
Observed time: 6:13
